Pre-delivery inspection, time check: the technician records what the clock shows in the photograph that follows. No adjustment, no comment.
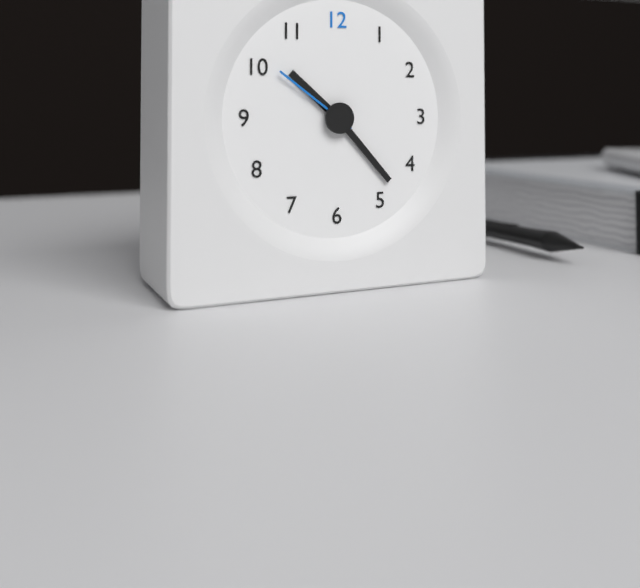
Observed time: 10:23:51
